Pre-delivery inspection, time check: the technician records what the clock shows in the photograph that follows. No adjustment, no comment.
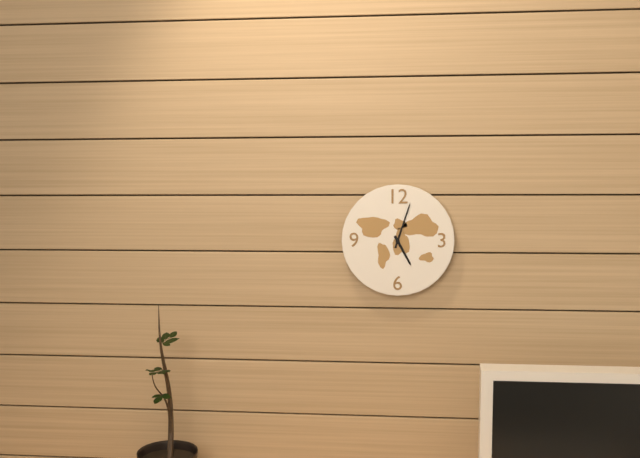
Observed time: 5:03
